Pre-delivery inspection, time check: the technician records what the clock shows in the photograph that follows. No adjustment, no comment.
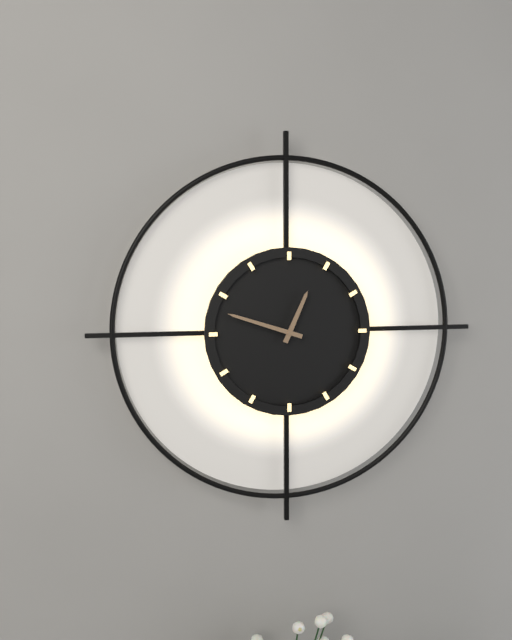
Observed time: 12:48
